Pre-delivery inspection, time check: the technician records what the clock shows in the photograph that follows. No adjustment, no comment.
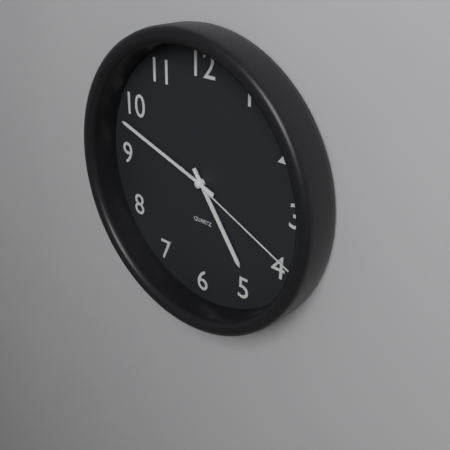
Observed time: 4:48:19
